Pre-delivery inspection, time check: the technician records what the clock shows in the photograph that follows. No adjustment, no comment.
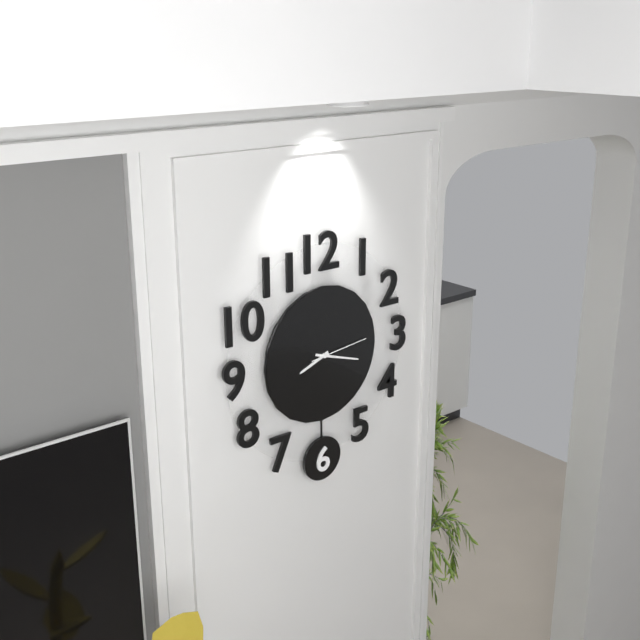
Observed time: 8:18:14
